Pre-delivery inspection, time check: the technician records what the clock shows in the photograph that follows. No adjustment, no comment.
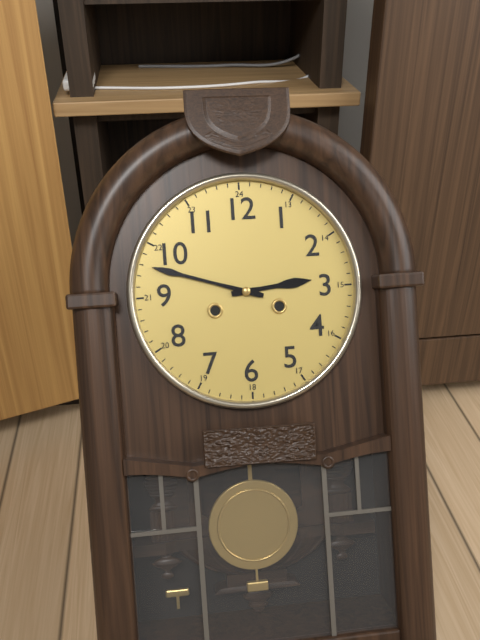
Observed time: 2:48
